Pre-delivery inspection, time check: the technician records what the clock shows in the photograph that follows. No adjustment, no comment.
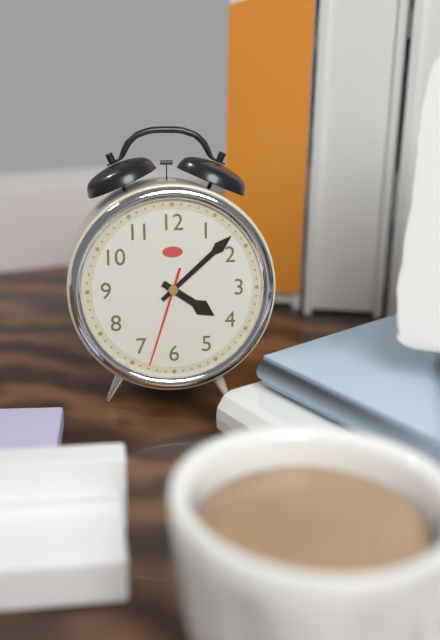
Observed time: 4:08:33
